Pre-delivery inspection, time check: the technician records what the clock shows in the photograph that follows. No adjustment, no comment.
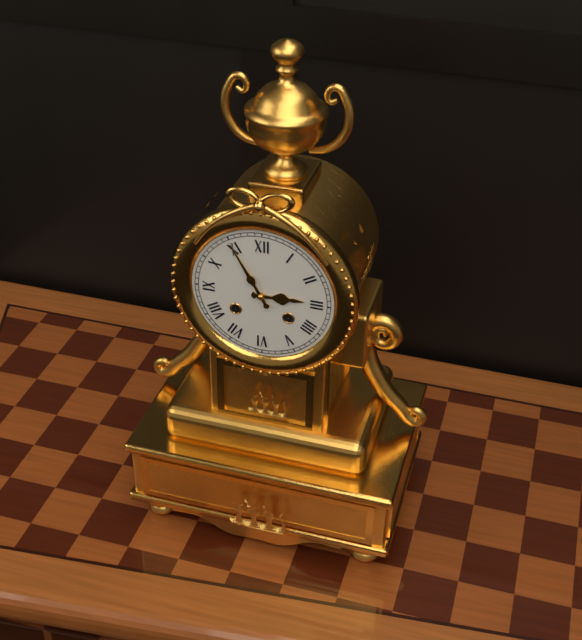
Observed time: 2:55
